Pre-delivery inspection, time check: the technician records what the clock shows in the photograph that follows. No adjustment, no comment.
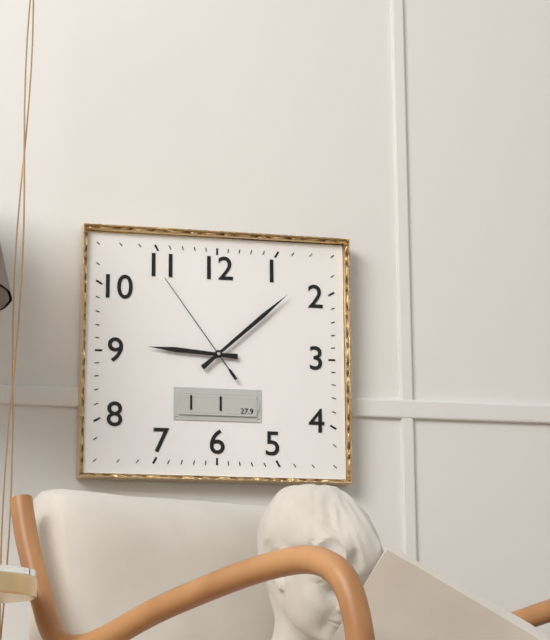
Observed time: 9:08:54
